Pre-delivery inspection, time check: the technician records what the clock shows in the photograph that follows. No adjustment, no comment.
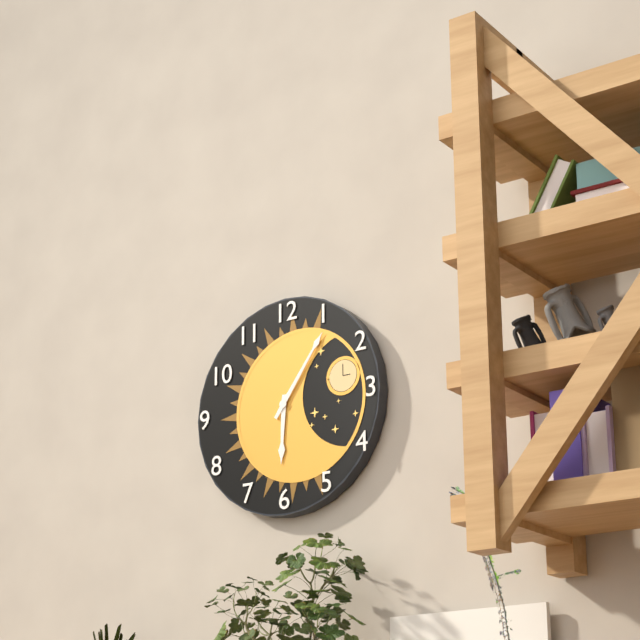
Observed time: 6:06
